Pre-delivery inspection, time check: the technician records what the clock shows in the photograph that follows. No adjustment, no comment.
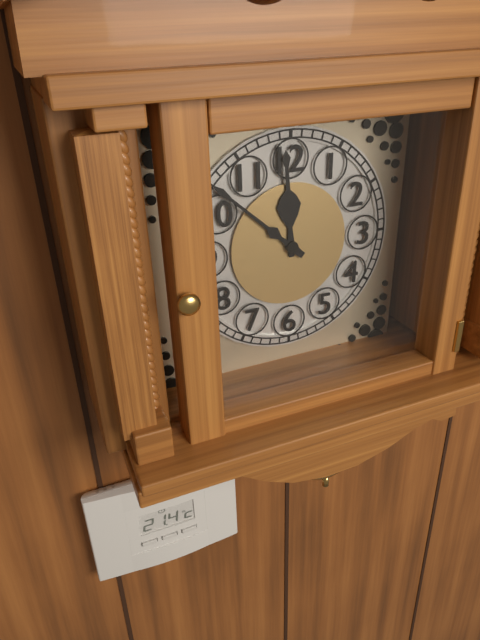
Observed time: 11:52
